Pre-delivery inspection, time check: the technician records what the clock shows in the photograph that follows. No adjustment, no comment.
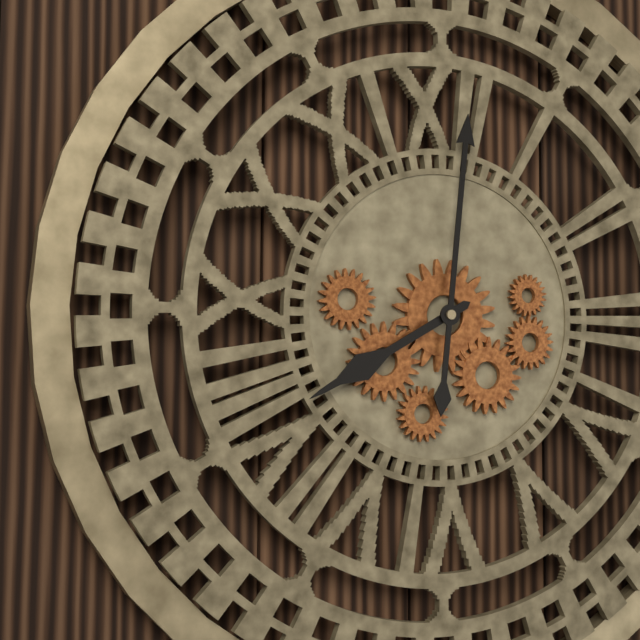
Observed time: 8:01
